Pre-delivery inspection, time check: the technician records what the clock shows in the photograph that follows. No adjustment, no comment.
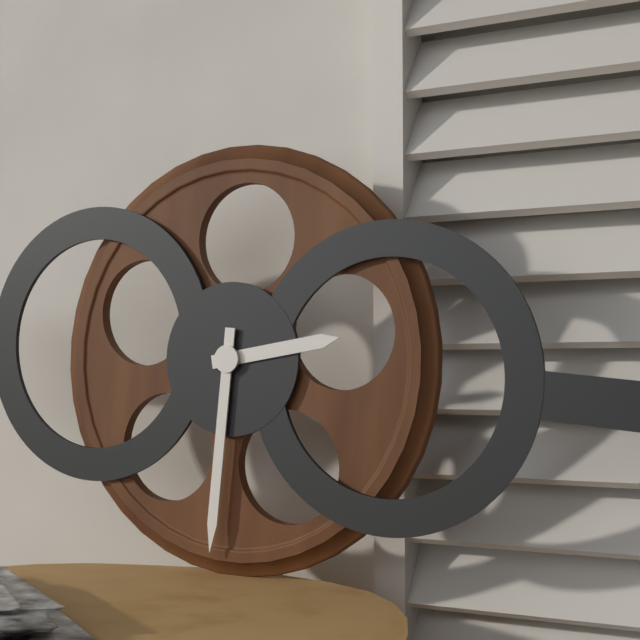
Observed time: 2:30
